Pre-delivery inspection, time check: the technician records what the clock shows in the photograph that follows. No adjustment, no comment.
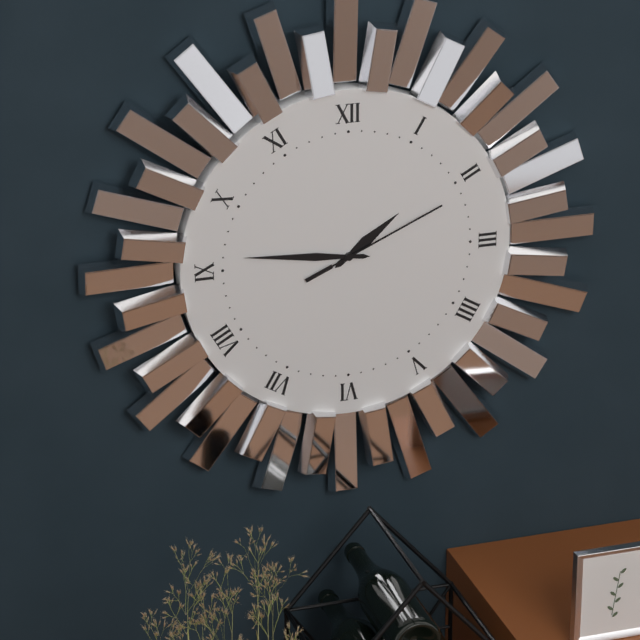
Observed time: 1:46:11
